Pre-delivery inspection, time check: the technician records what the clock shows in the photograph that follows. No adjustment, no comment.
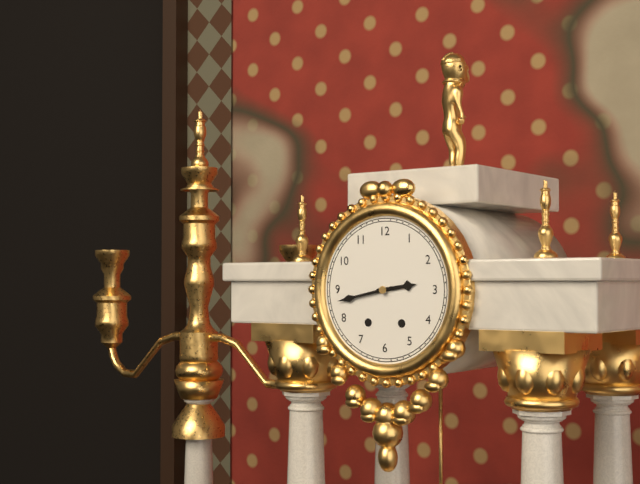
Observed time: 2:43
